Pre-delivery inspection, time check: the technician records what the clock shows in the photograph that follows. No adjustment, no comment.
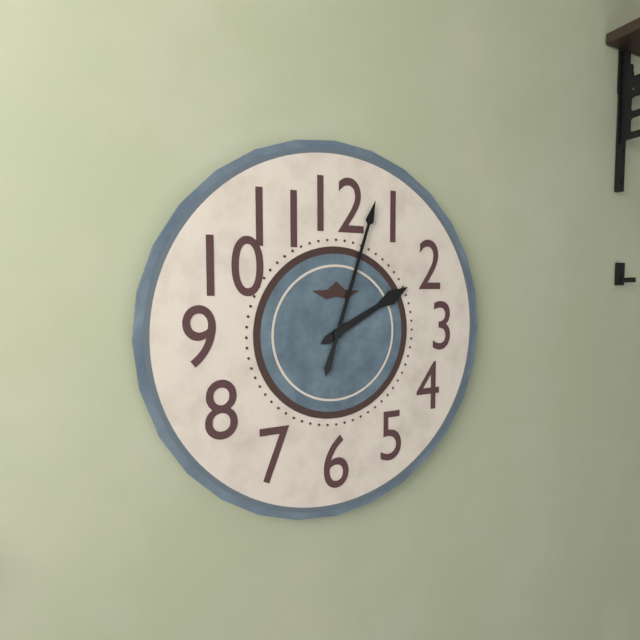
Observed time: 2:03
